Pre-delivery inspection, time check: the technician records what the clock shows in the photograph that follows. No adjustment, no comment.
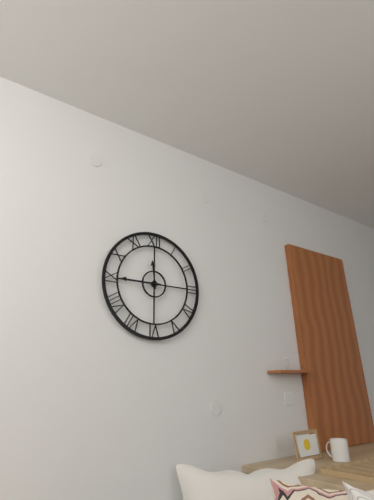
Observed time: 11:45
